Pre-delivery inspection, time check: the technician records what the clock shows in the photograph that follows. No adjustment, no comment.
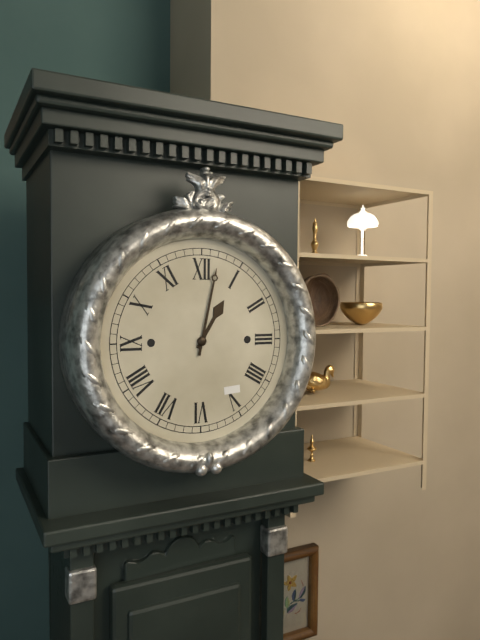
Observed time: 1:02
